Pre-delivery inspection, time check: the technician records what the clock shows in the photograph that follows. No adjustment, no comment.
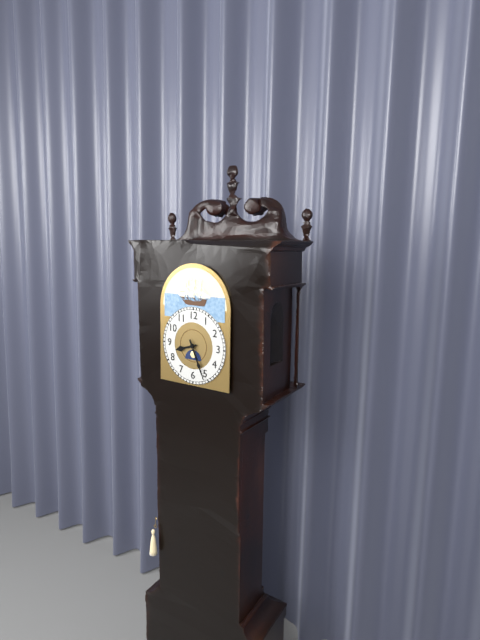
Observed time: 8:26
